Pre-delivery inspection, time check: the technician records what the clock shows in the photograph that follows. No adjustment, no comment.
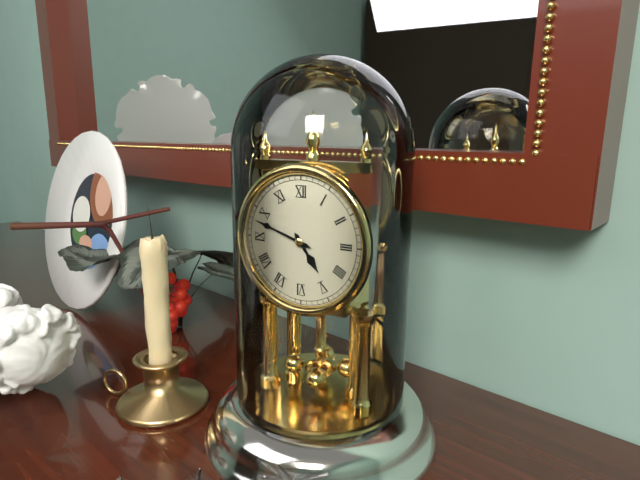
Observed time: 4:48
